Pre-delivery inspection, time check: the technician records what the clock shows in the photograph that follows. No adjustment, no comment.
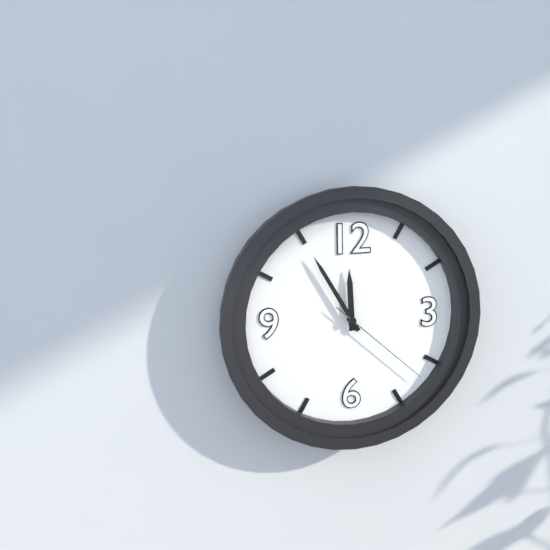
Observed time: 11:55:22
